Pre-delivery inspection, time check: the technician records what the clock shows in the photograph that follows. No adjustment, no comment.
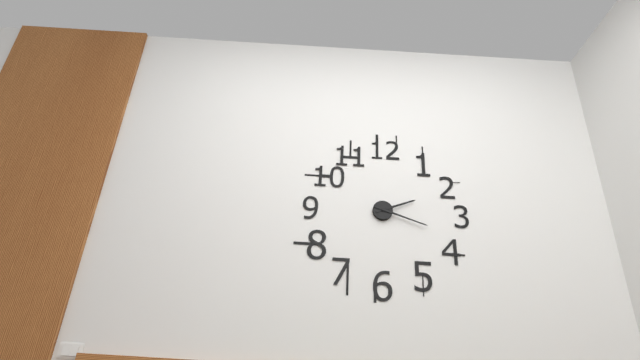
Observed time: 2:18
